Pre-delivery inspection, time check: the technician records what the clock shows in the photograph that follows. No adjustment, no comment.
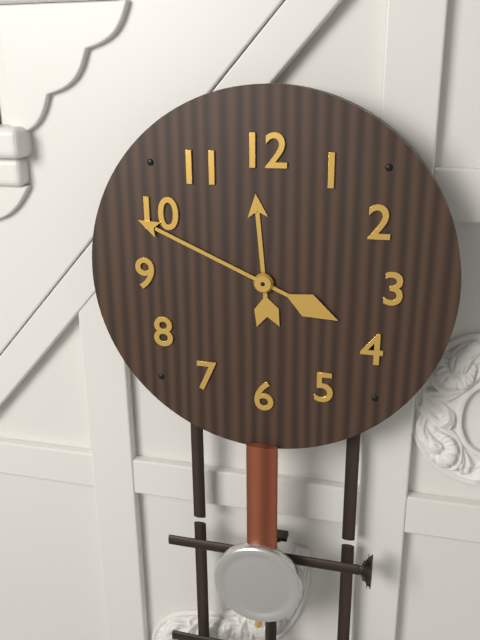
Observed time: 11:49
